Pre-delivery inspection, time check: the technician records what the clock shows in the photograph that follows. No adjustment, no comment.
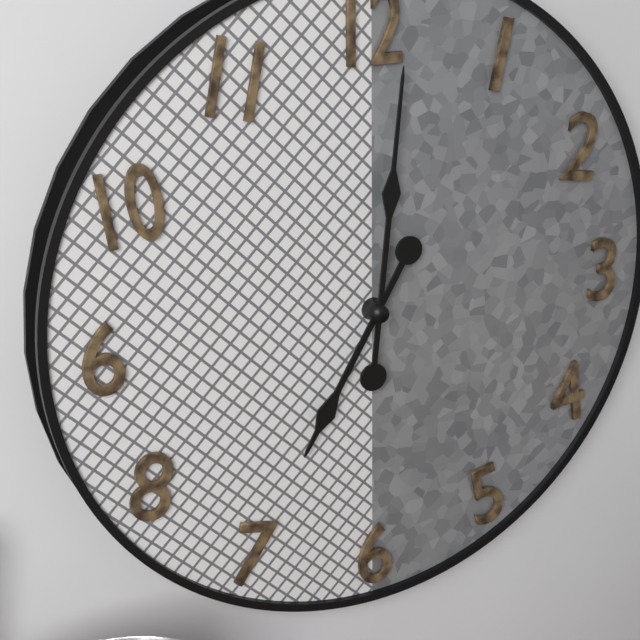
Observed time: 7:01
